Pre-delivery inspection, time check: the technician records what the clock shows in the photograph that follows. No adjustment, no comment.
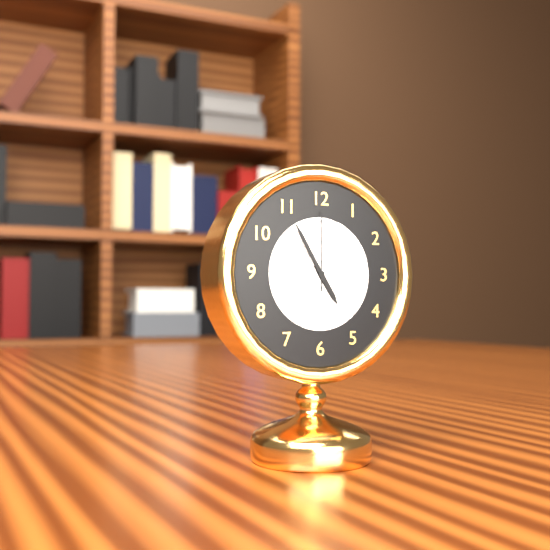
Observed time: 4:55:00
